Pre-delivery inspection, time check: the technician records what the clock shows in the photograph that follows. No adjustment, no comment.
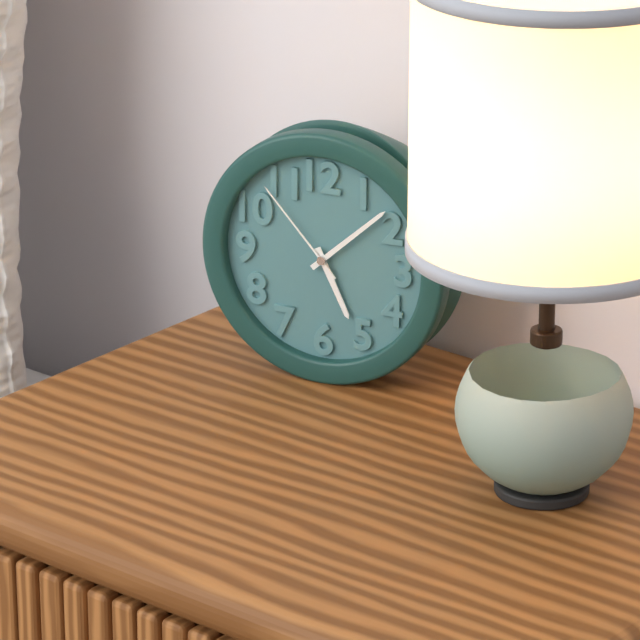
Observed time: 5:08:53
